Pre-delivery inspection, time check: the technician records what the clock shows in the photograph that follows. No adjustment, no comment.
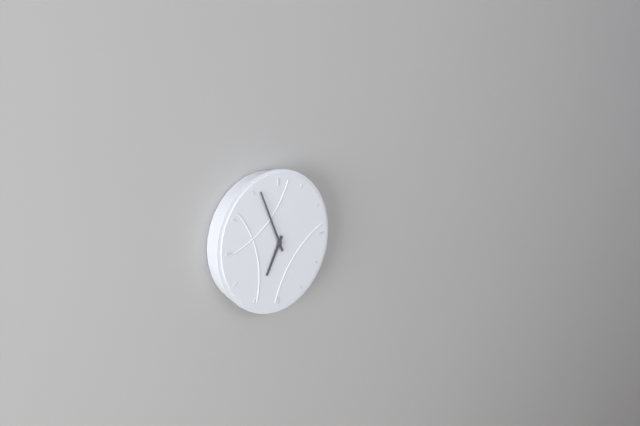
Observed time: 6:56
